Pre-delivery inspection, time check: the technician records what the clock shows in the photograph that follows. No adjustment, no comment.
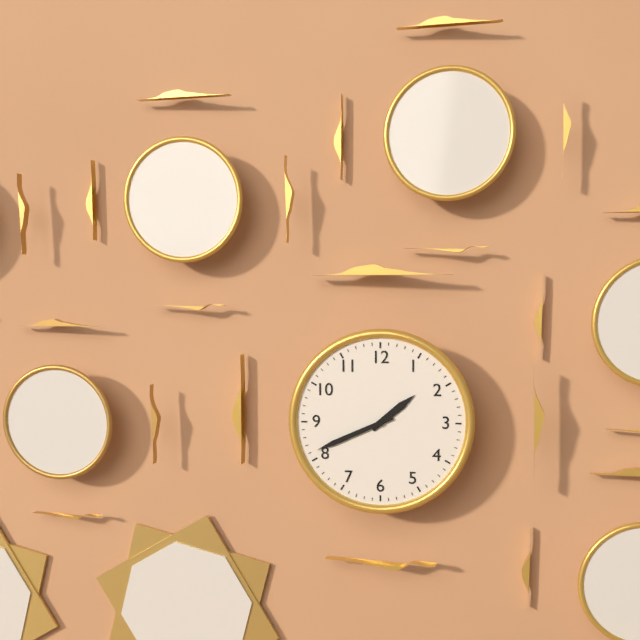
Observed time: 1:41
